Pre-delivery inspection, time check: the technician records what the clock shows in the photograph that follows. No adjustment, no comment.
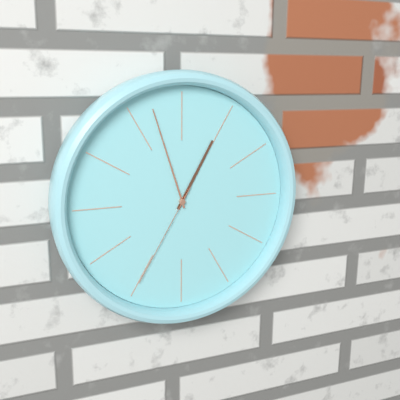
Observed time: 12:57:35
